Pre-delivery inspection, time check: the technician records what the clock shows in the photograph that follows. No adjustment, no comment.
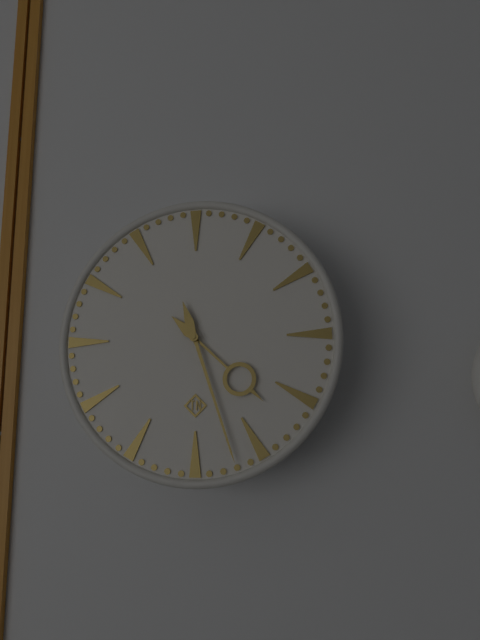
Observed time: 4:27
